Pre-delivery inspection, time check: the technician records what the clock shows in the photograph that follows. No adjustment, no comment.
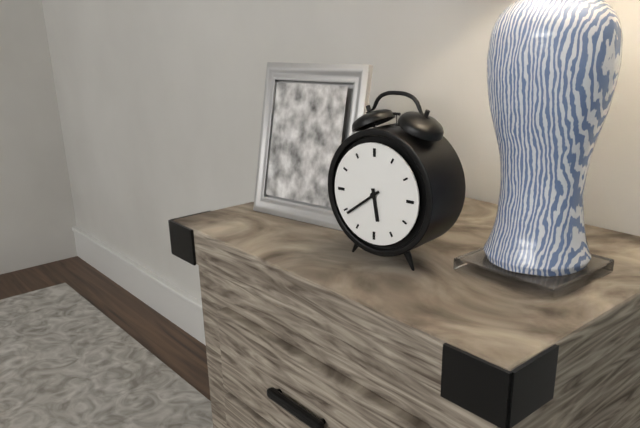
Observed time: 5:39
